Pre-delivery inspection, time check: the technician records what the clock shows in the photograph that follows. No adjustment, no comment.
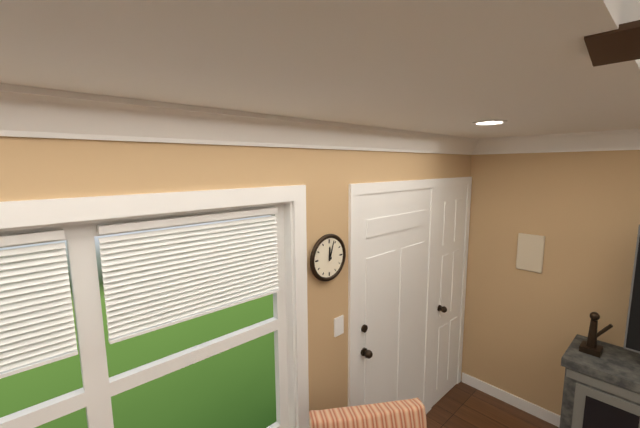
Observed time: 12:03
